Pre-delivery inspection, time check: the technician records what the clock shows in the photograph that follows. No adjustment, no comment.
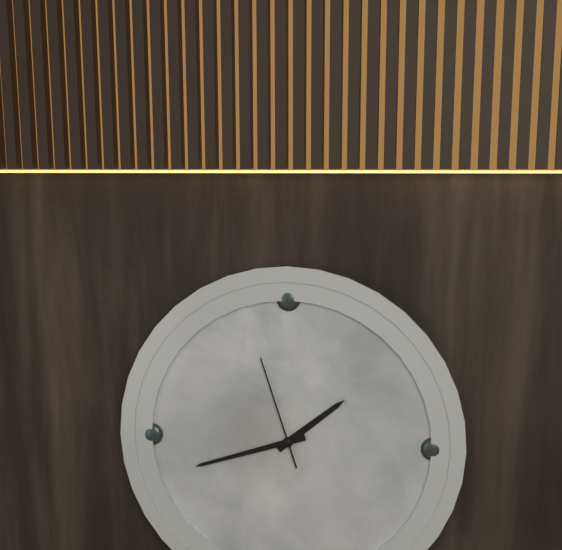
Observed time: 1:42:57
